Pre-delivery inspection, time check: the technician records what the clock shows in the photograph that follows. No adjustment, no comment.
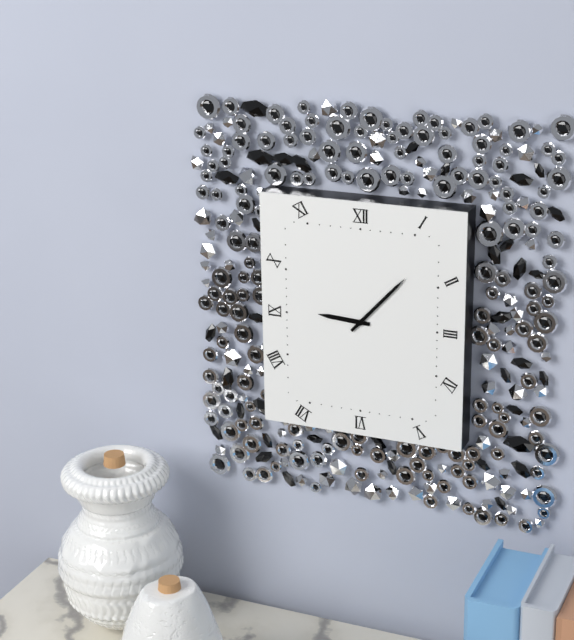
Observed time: 9:07
